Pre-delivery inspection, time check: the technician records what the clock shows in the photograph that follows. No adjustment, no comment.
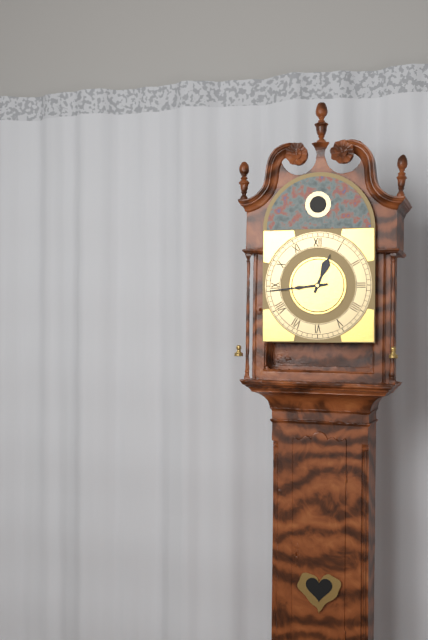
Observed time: 12:44
